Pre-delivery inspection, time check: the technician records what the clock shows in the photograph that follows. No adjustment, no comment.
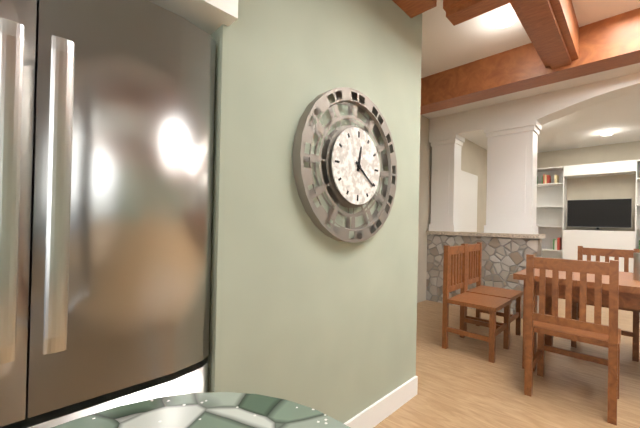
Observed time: 12:21
